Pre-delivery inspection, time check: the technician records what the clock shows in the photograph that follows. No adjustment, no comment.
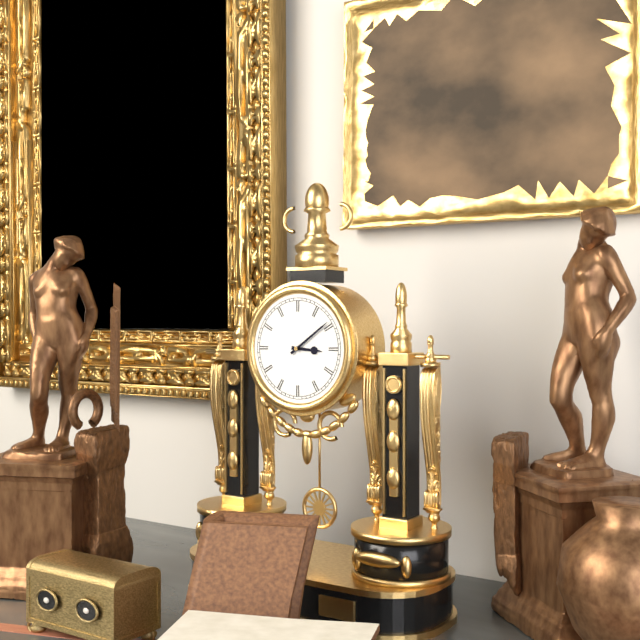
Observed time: 3:09
